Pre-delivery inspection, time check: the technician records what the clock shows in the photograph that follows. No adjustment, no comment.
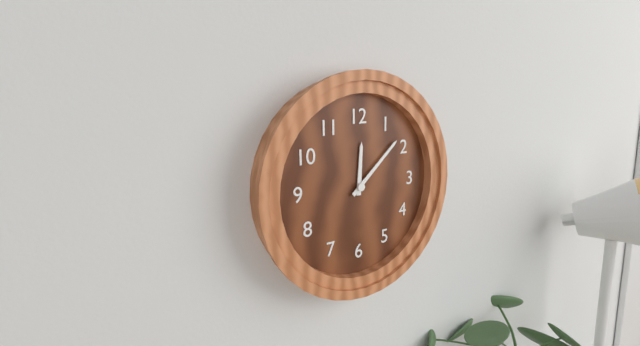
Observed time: 12:08
